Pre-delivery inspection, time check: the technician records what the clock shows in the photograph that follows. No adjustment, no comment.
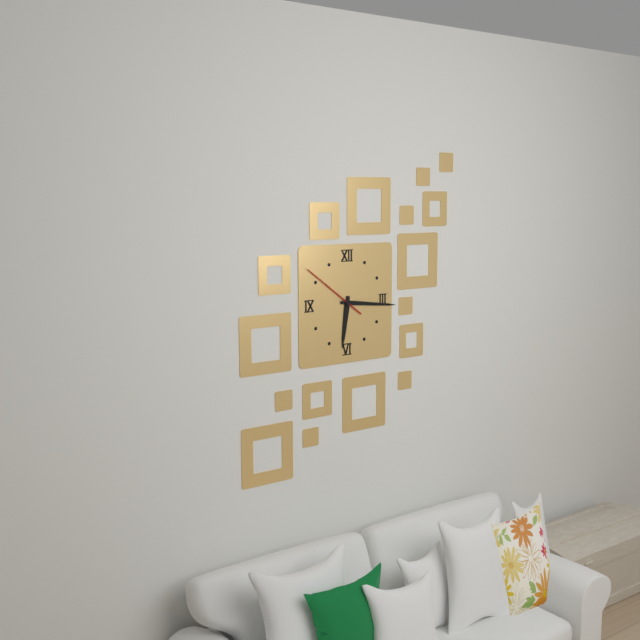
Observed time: 6:16:51
